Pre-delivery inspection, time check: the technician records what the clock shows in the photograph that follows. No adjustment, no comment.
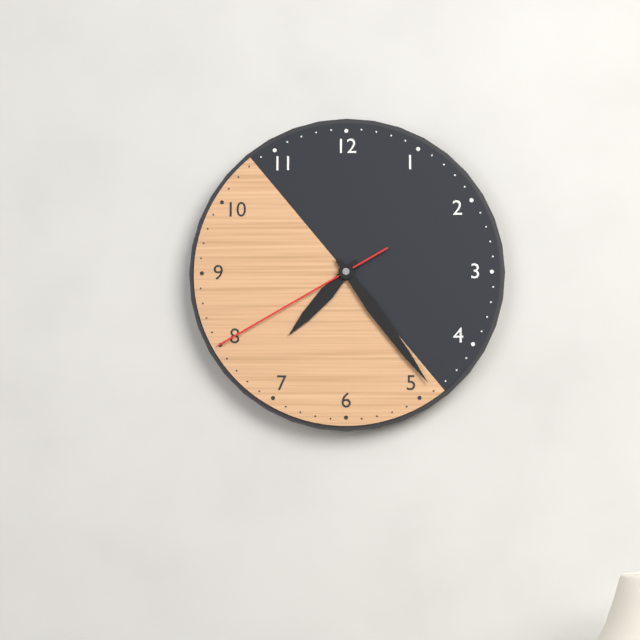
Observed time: 7:24:40
